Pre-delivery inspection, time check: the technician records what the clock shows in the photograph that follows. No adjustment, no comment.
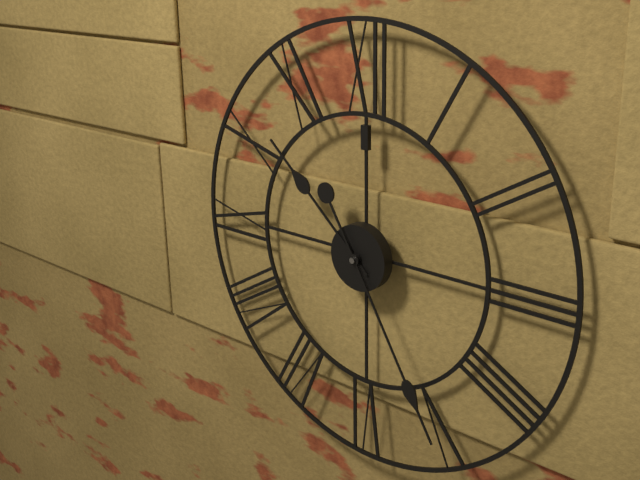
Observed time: 10:25
